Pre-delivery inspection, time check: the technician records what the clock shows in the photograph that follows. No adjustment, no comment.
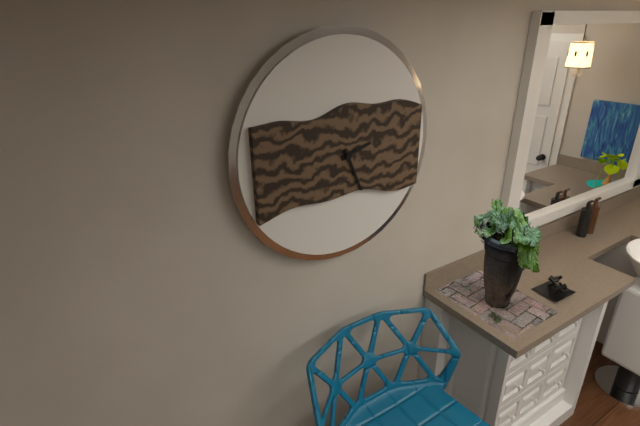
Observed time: 2:26
